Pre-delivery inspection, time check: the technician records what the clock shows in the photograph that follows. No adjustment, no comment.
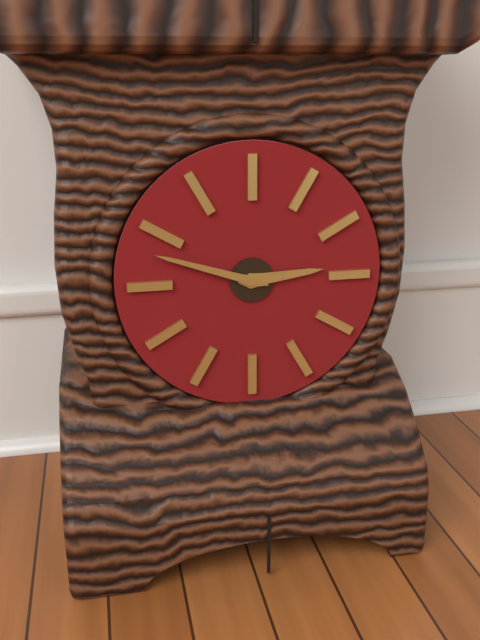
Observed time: 2:48
